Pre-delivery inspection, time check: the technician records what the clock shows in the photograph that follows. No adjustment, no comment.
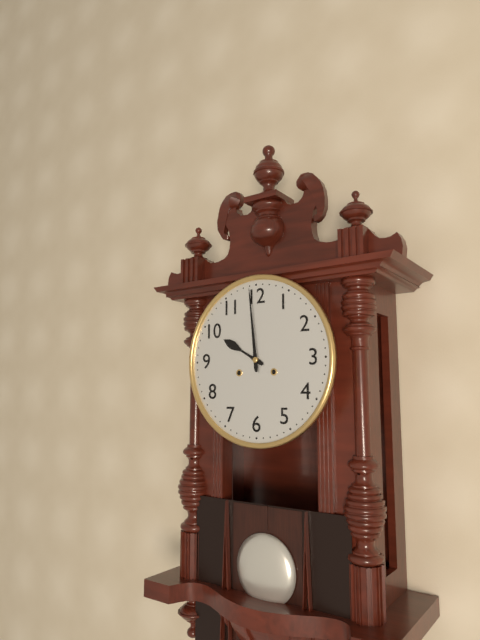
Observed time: 9:59
